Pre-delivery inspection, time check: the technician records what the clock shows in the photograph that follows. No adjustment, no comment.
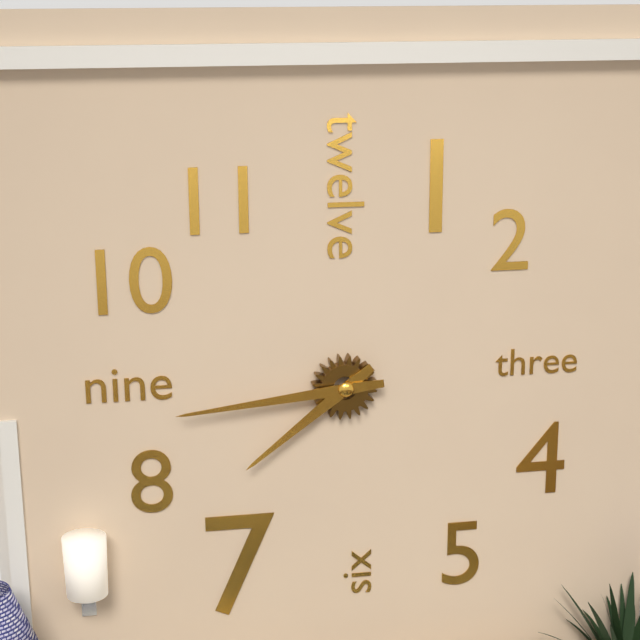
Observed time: 7:44
